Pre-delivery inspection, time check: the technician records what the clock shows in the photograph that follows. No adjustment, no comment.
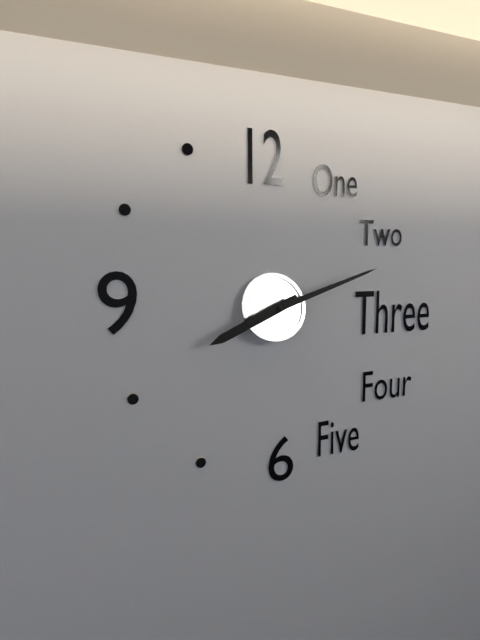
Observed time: 8:12
